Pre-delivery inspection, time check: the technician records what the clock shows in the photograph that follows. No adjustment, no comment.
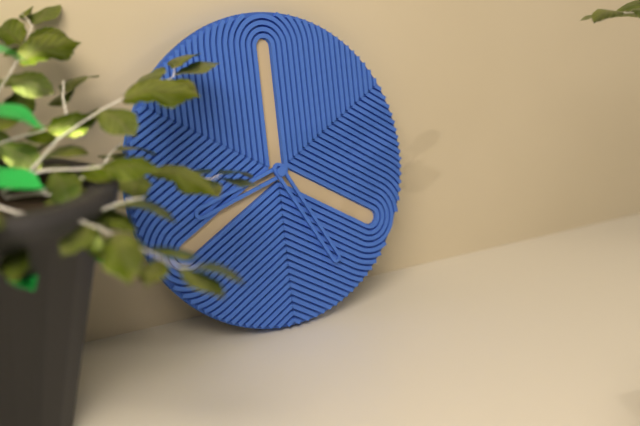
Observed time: 8:25
